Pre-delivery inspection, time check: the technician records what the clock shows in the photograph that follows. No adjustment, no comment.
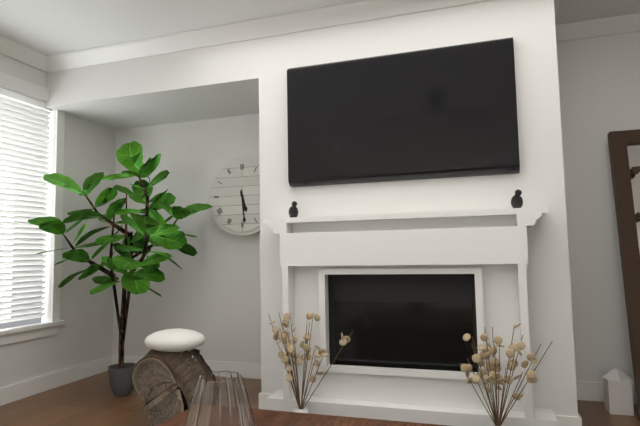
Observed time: 5:29
